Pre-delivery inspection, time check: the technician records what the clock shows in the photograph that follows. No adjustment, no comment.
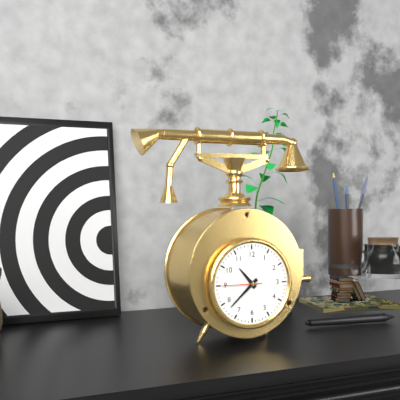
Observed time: 10:38
